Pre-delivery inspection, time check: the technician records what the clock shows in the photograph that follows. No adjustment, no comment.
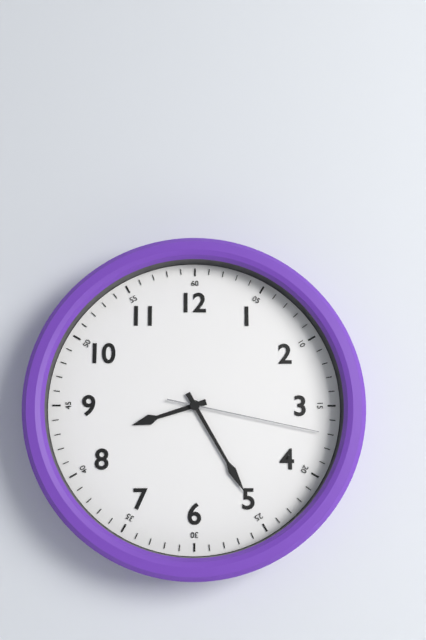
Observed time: 8:25:17
